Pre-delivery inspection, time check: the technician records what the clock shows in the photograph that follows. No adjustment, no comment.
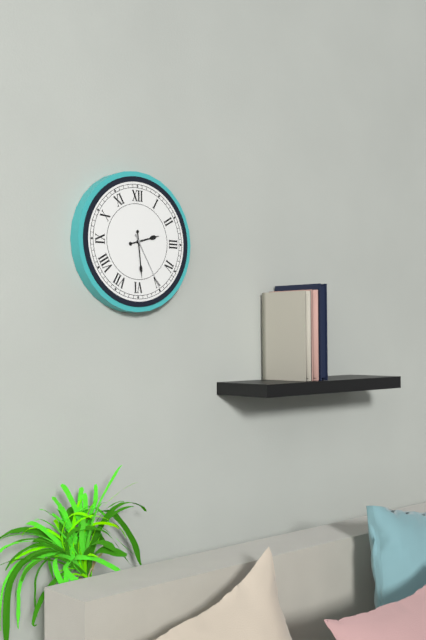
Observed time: 2:29:25
